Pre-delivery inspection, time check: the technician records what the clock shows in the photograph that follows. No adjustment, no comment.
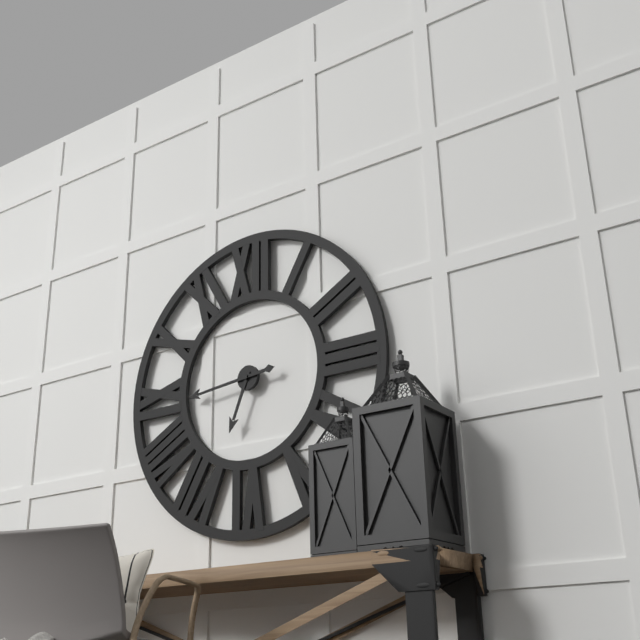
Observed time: 6:44
